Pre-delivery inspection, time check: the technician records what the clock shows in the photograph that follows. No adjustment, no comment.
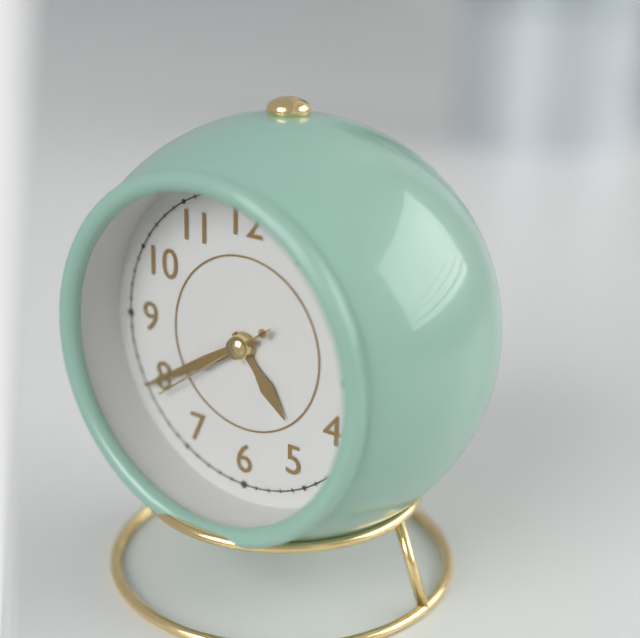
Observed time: 4:40:39
